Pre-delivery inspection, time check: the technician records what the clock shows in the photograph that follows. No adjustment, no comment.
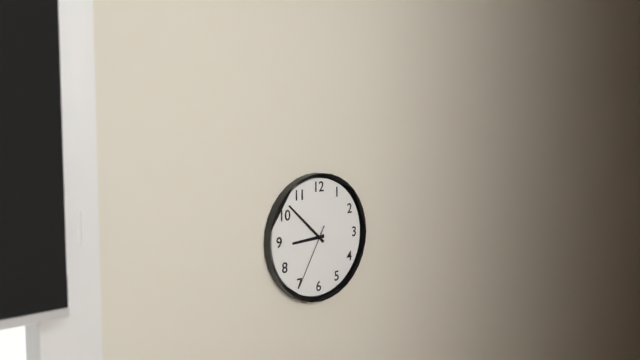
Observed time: 8:52:35
